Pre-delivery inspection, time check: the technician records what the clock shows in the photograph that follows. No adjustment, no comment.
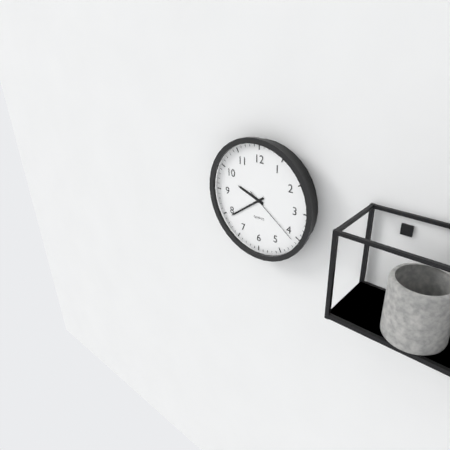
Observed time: 9:39:21
